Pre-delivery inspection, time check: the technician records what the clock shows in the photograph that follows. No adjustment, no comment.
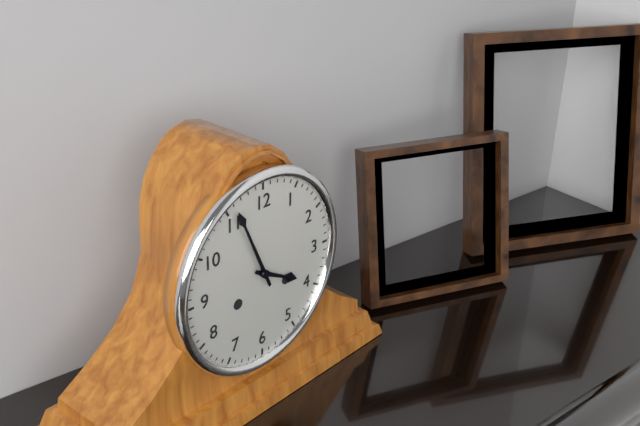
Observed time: 3:56
